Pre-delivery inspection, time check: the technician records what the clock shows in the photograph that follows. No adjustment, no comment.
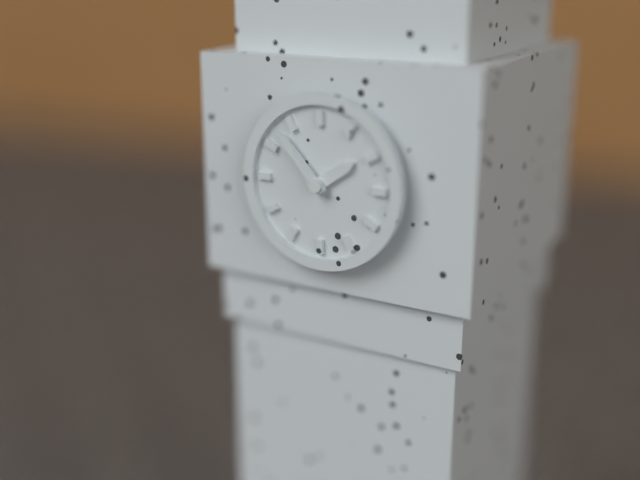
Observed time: 1:53
